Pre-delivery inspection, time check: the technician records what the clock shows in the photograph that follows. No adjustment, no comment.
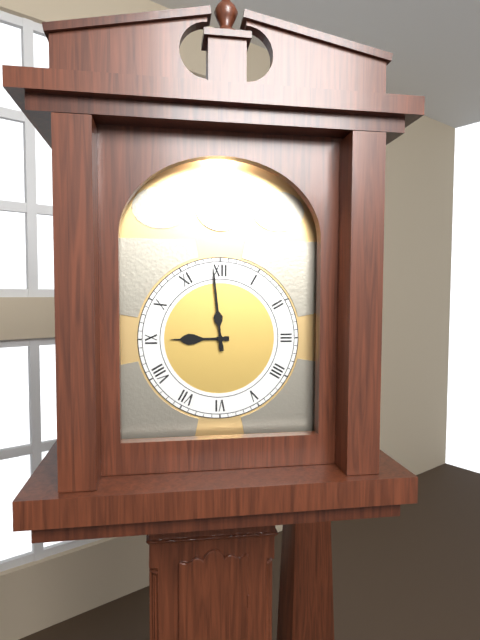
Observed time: 8:59
